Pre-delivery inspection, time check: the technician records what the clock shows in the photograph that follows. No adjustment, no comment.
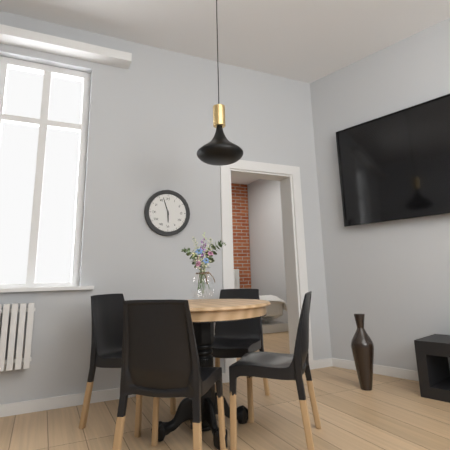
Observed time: 5:57
